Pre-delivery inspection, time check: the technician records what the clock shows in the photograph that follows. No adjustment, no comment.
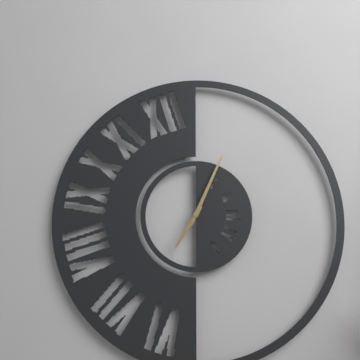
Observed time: 7:04
